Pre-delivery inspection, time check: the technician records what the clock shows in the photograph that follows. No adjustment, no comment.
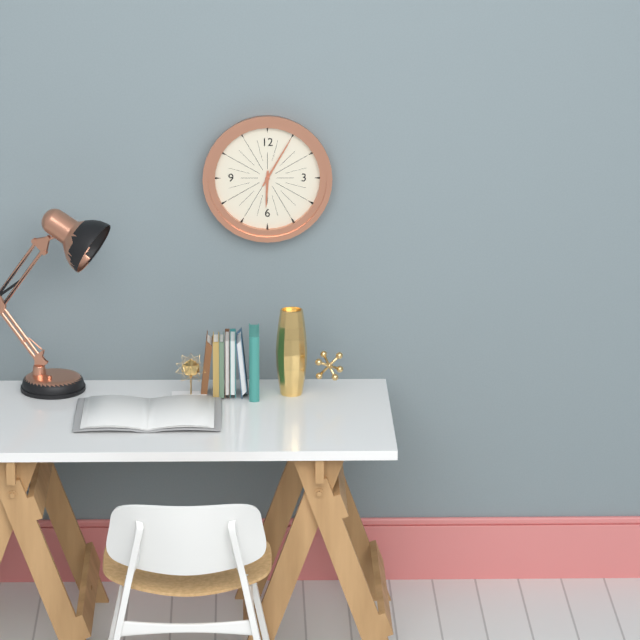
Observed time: 6:05
